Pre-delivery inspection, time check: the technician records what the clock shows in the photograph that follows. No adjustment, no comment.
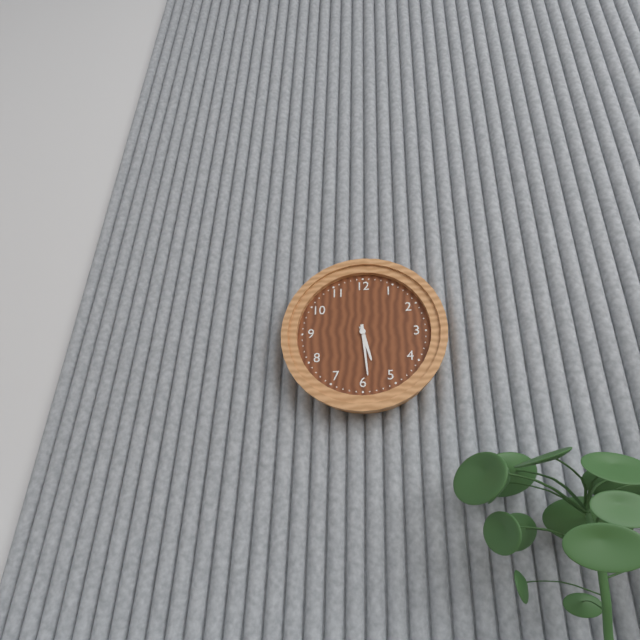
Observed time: 5:29
